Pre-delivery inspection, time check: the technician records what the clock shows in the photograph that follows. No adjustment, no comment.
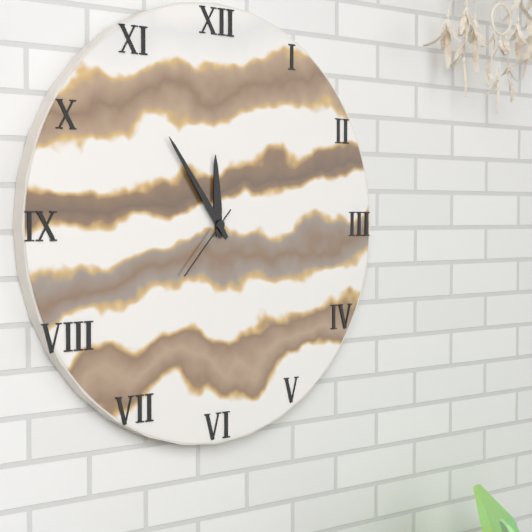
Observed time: 11:54:37
